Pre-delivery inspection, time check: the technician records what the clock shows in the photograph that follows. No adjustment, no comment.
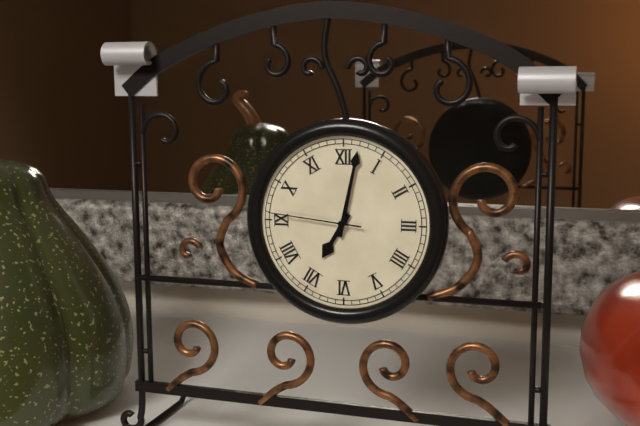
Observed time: 7:02:46
